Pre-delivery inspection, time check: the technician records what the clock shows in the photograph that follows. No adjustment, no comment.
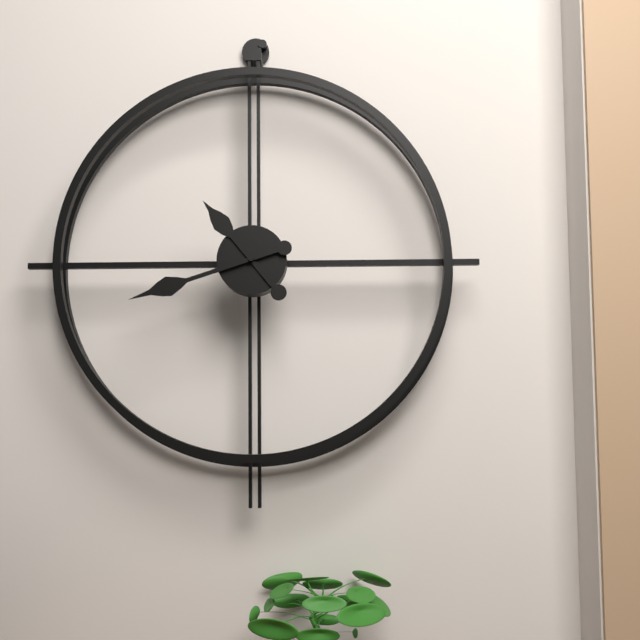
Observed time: 10:42
